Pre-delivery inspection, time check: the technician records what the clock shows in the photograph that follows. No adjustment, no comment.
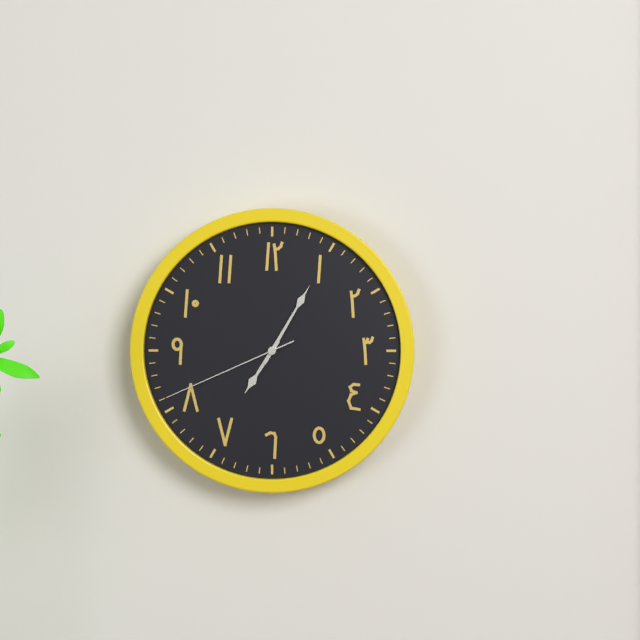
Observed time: 7:05:41
